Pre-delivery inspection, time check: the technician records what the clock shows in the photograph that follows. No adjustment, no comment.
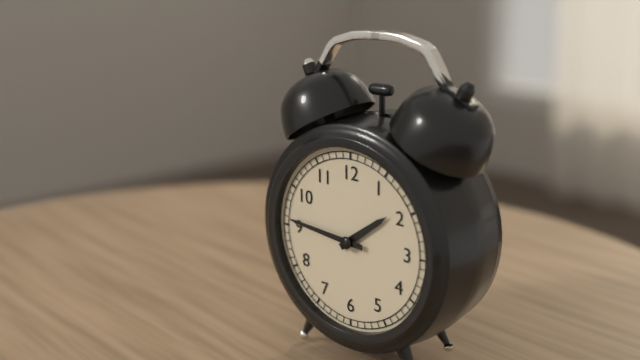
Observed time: 1:46
